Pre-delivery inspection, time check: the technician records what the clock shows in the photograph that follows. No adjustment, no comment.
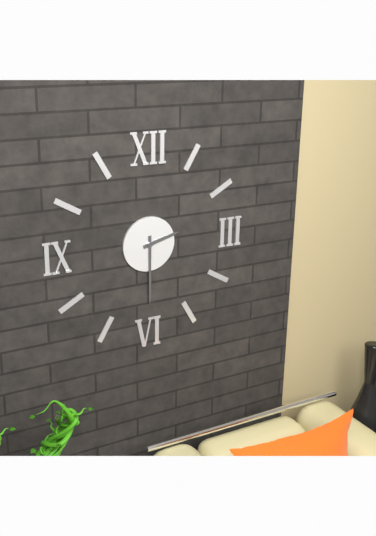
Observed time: 2:30
